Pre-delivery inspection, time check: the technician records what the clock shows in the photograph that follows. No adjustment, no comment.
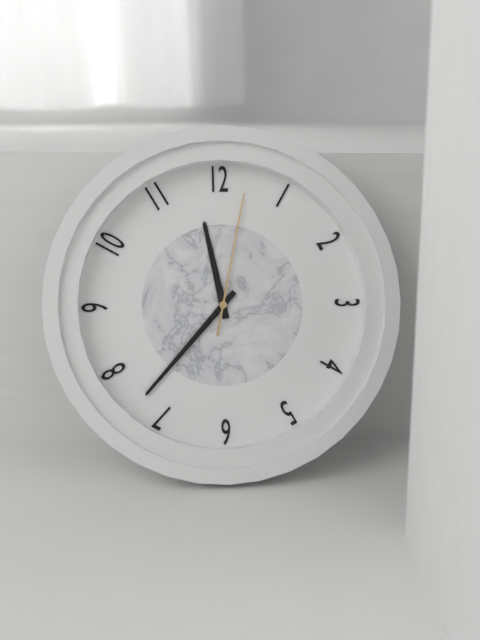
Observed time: 11:37:02
